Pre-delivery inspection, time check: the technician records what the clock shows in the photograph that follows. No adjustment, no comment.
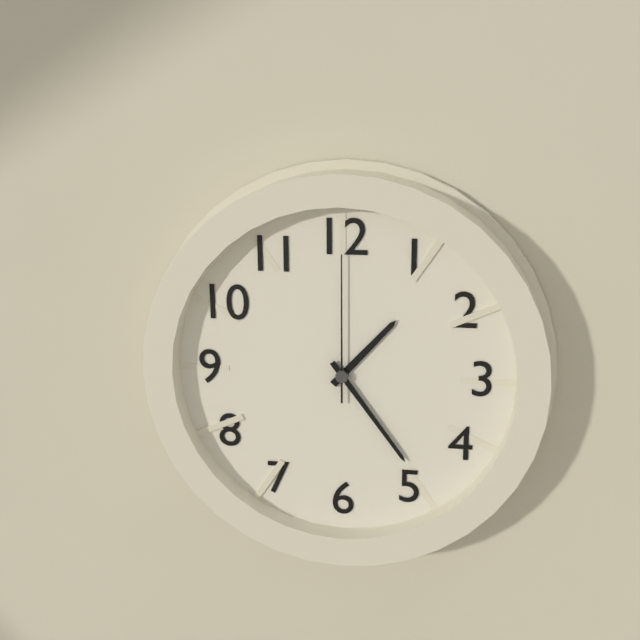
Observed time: 1:24:00
